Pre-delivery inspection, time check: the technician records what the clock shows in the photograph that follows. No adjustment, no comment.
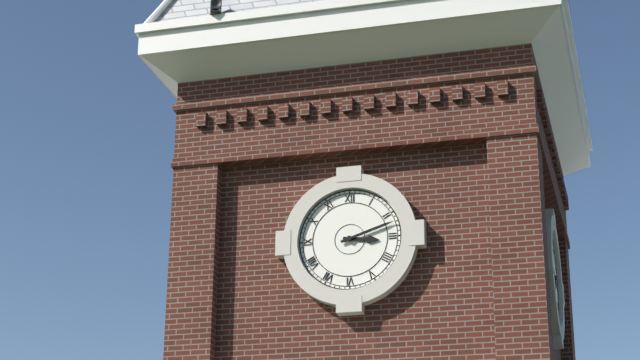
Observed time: 3:12
